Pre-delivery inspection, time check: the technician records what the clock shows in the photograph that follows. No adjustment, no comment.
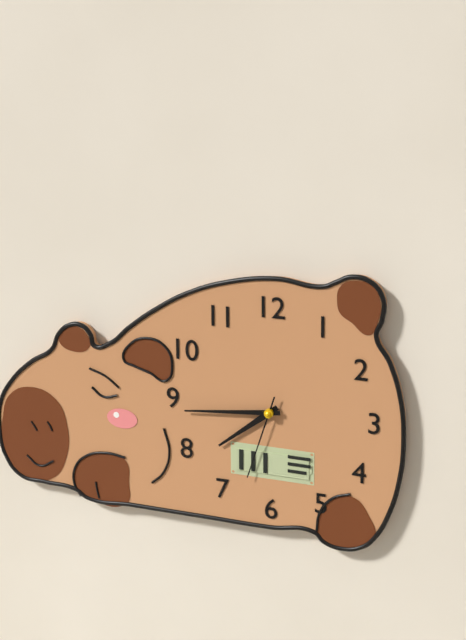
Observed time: 7:44:33
